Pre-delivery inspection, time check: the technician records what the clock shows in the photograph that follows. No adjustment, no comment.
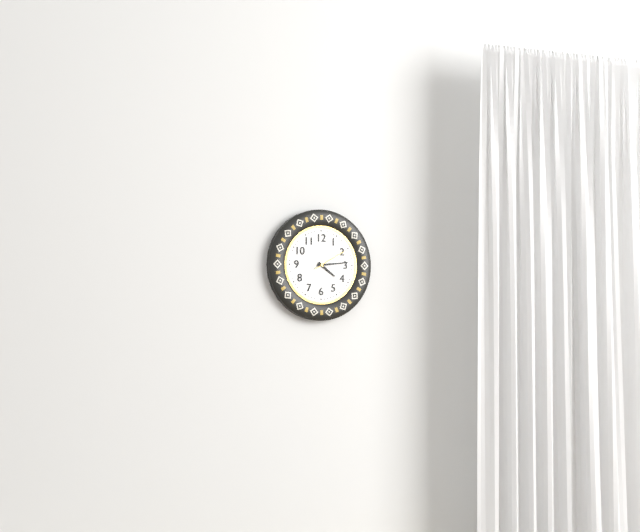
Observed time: 4:14
